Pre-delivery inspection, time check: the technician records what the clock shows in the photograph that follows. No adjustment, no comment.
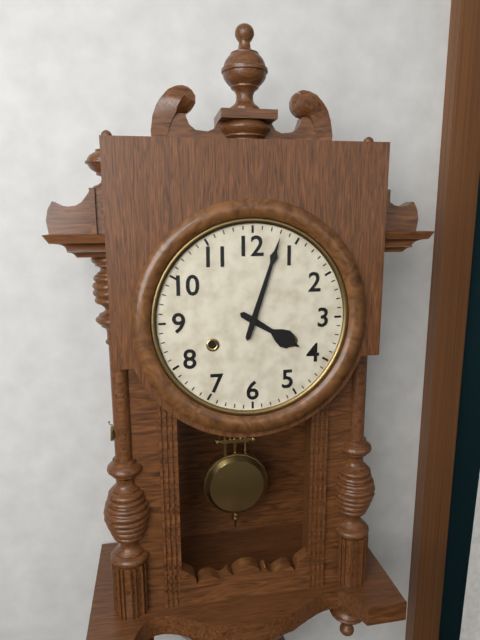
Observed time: 4:03
